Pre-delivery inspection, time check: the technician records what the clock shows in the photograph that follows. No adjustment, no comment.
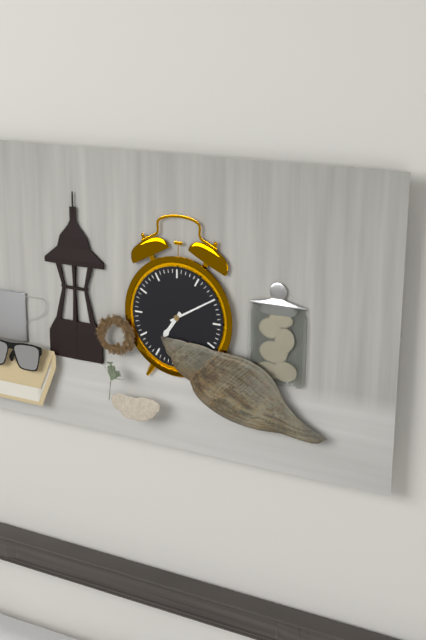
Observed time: 7:10
